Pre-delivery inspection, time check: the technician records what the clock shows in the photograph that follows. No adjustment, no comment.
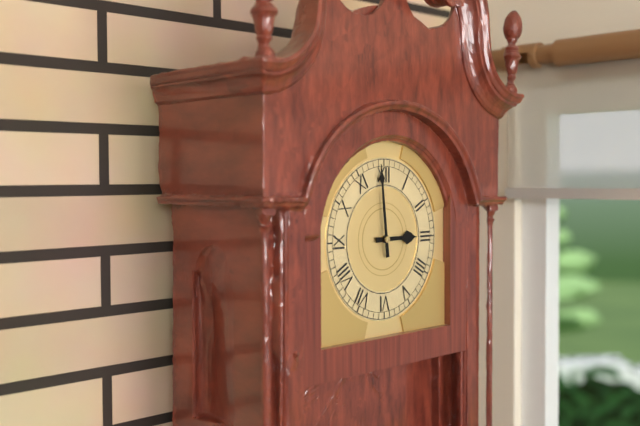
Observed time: 2:59
